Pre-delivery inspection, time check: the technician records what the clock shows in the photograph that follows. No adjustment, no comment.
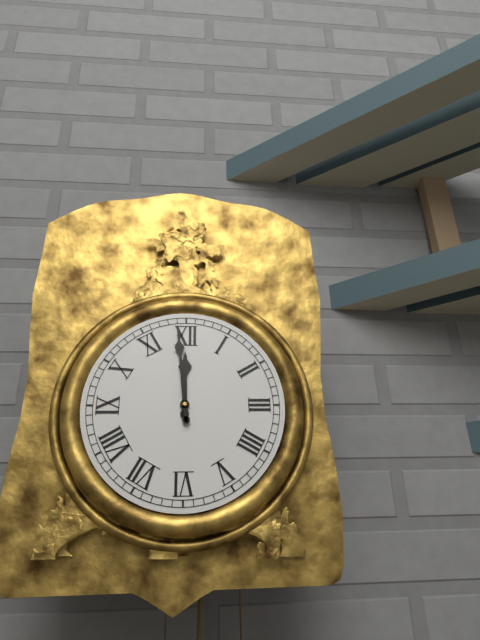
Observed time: 11:59
